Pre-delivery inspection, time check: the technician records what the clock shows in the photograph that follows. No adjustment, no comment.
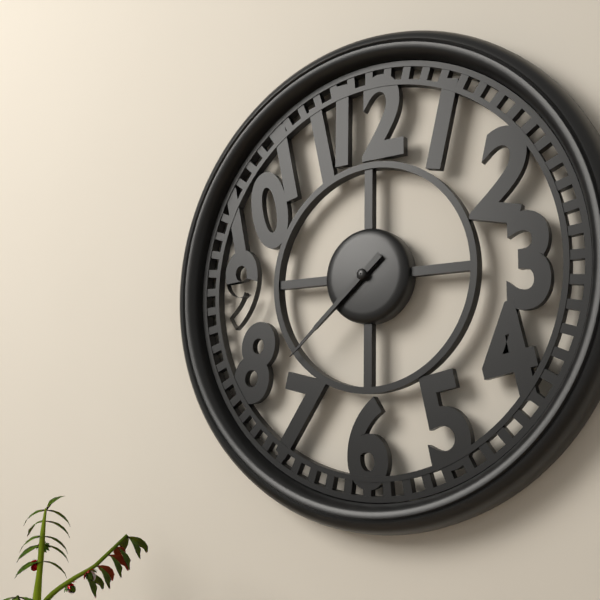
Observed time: 7:38
